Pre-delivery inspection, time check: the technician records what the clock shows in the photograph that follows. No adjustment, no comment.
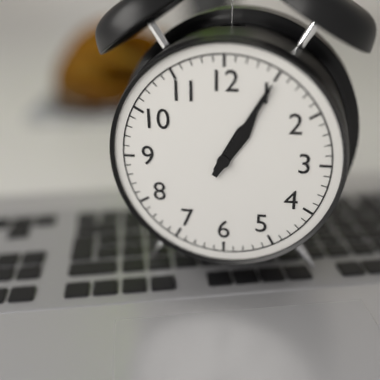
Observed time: 1:05
